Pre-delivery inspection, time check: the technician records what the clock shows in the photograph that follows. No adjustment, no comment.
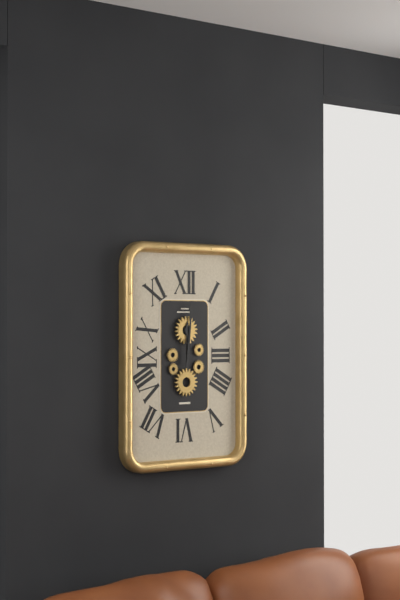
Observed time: 12:01
